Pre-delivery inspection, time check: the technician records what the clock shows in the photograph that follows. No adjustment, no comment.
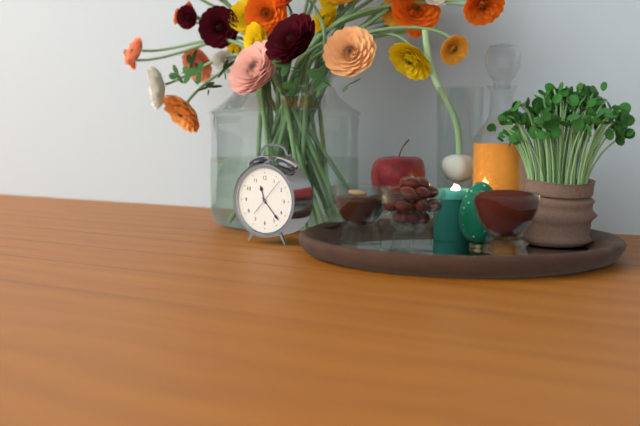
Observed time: 11:23
